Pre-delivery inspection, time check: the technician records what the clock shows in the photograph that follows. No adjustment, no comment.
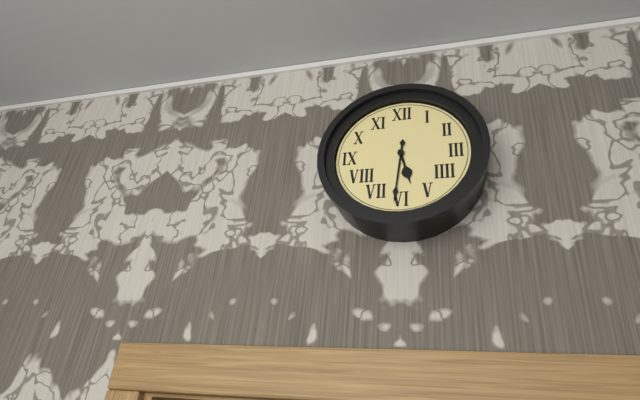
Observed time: 5:31
